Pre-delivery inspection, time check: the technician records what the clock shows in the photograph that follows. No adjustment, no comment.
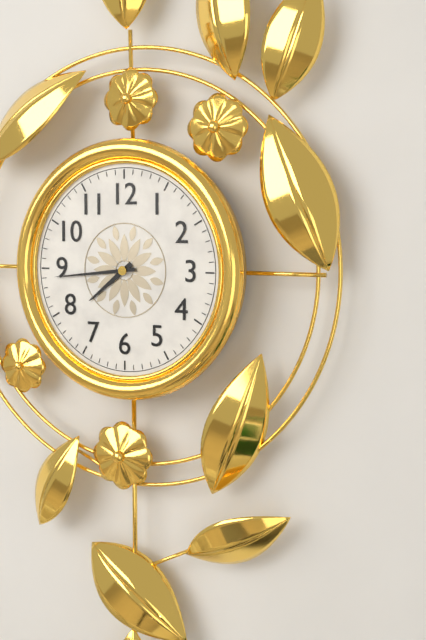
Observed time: 7:44
